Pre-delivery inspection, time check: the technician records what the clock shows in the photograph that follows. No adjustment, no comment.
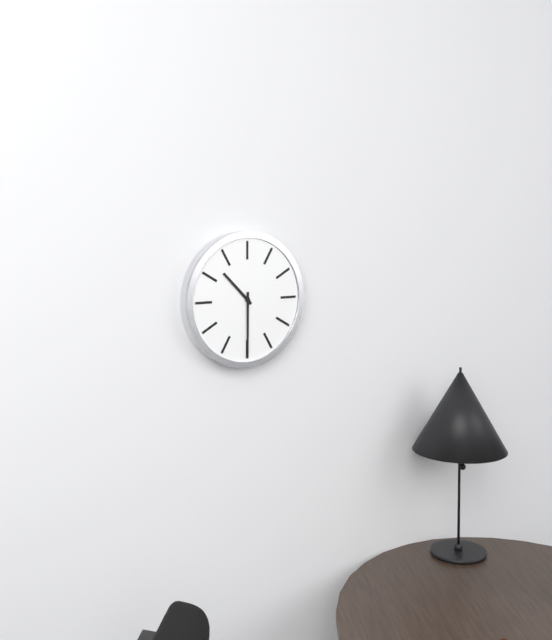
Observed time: 10:30
